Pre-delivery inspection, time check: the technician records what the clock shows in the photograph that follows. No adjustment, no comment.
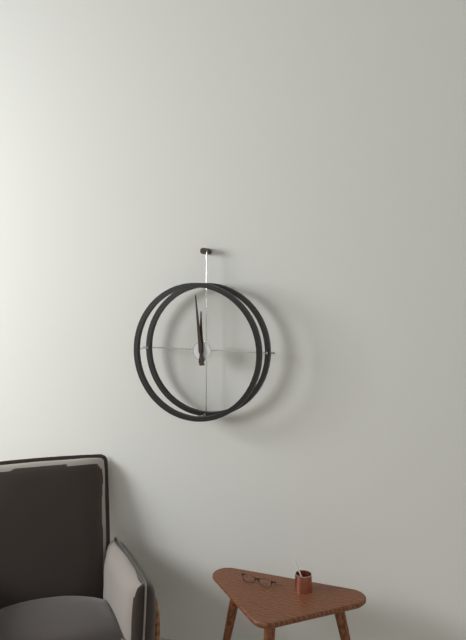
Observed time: 11:59
